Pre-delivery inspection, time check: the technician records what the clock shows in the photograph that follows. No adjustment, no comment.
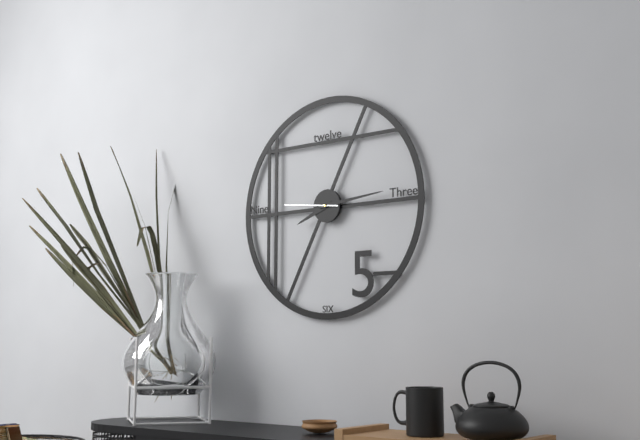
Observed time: 8:14:46
